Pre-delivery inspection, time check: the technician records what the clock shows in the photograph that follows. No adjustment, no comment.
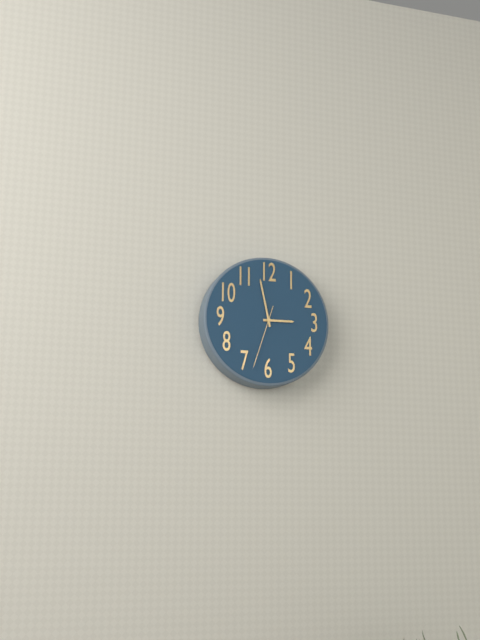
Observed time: 2:58:33
